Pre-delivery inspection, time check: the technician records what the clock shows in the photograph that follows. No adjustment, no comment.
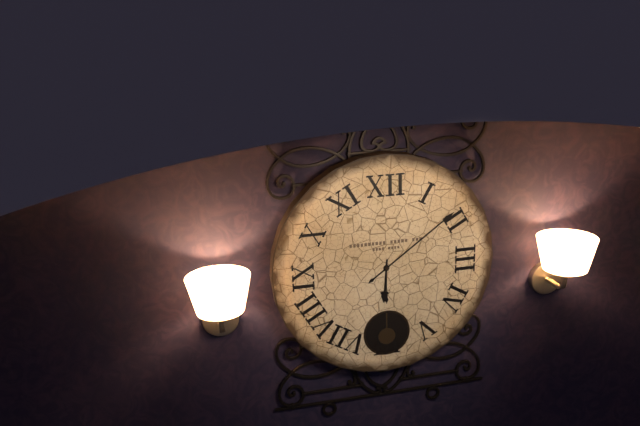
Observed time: 6:09
